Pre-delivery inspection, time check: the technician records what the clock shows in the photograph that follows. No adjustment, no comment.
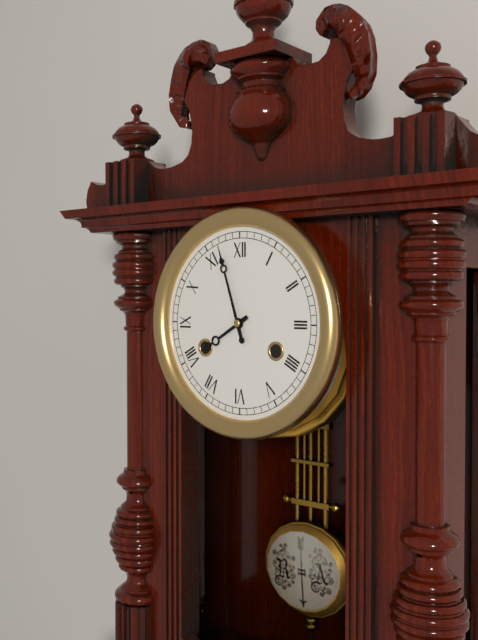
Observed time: 7:57
